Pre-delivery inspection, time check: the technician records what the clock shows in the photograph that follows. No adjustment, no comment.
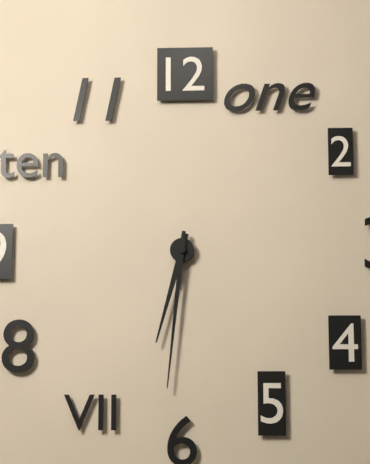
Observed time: 6:31
